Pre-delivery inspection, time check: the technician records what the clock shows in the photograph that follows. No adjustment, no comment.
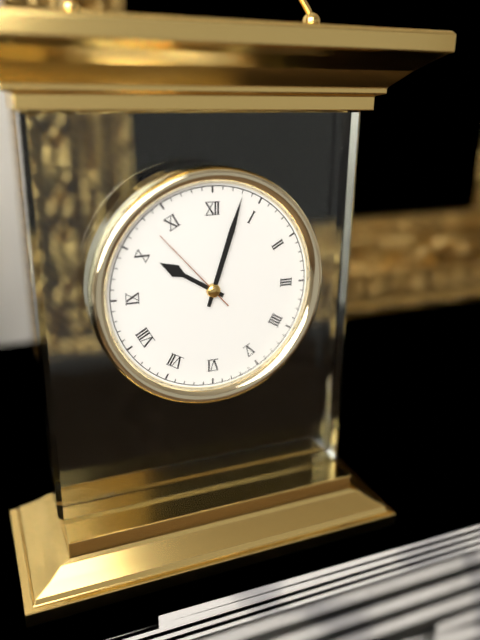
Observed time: 10:03:53
